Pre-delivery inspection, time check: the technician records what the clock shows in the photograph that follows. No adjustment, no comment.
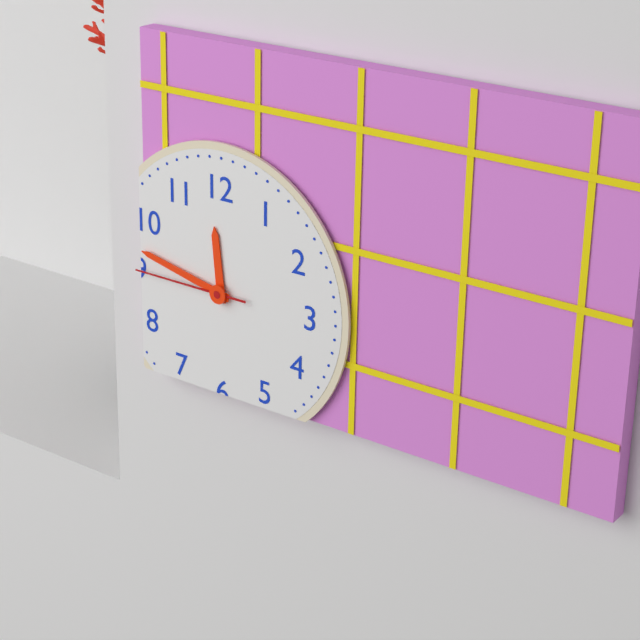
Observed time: 11:47:45
